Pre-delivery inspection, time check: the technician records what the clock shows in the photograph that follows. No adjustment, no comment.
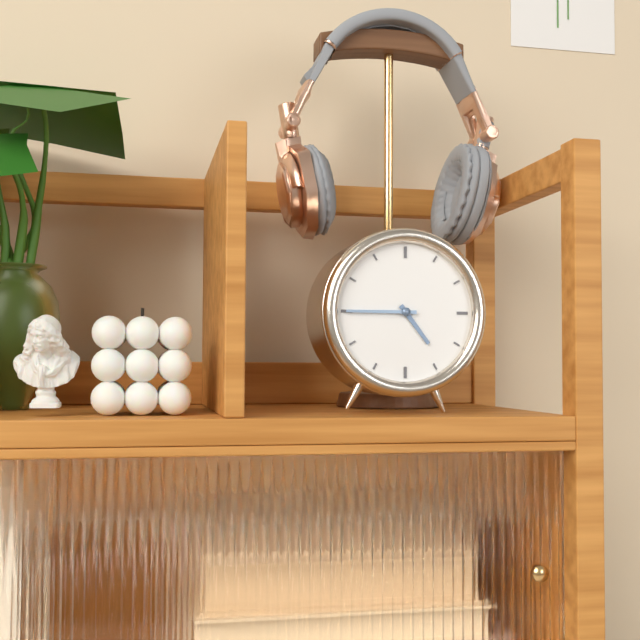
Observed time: 4:45
